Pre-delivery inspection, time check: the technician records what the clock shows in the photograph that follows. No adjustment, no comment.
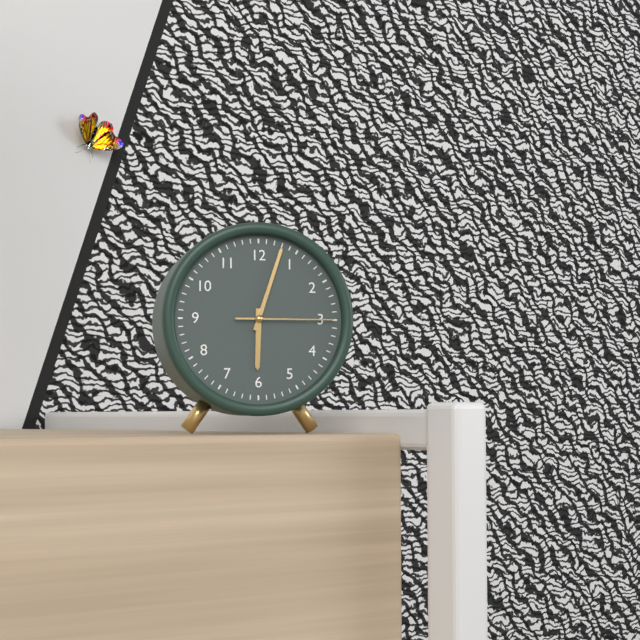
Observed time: 6:03:15
